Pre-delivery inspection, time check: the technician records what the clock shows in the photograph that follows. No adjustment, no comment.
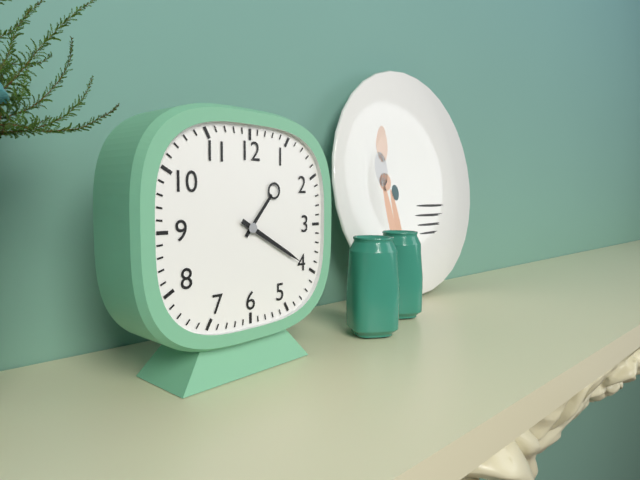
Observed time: 1:20
